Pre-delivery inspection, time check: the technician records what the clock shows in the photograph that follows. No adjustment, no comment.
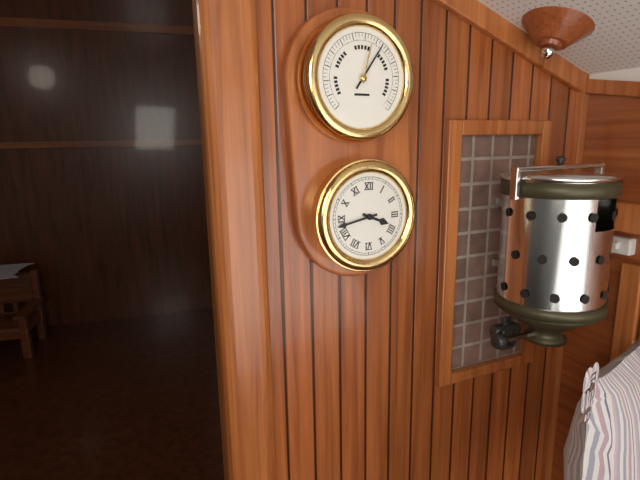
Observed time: 3:43
